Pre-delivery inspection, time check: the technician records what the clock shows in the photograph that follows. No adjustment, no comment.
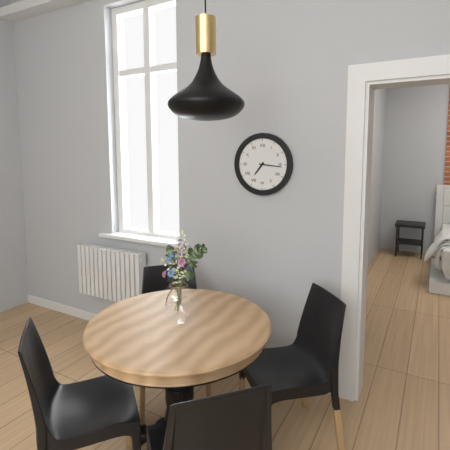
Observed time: 7:16
